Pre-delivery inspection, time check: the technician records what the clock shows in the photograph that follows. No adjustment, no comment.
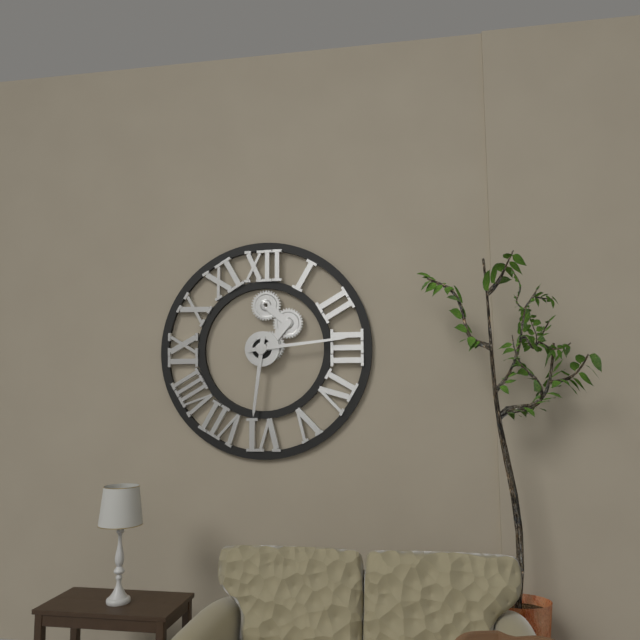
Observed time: 6:14
